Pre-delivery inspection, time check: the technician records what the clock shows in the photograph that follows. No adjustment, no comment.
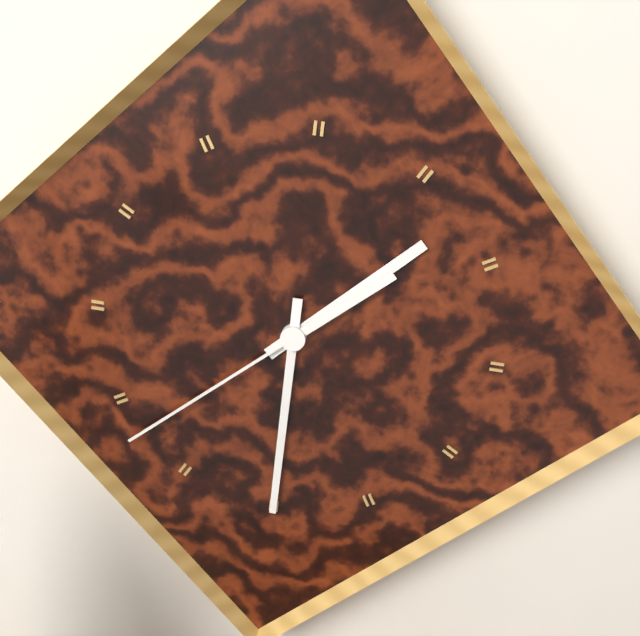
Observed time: 1:30:38
